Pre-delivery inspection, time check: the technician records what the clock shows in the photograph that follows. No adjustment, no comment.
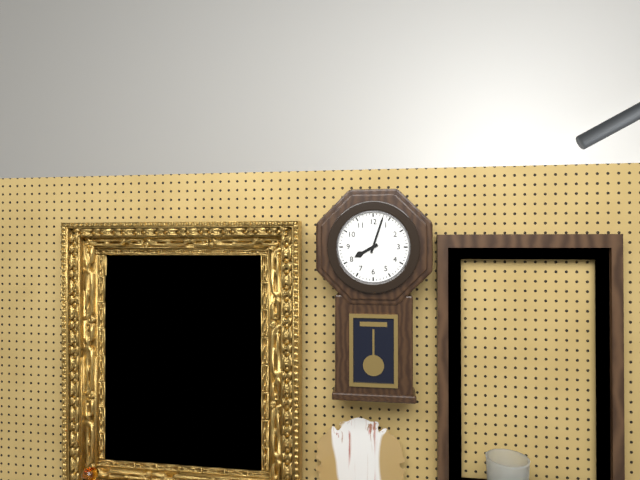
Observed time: 8:03
